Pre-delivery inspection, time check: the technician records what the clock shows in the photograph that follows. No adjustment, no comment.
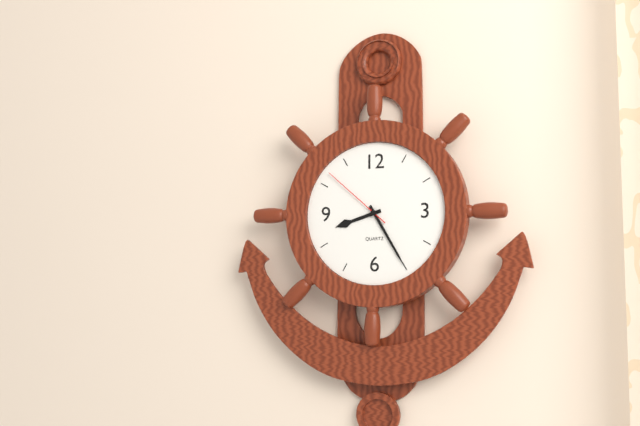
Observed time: 8:25:52
